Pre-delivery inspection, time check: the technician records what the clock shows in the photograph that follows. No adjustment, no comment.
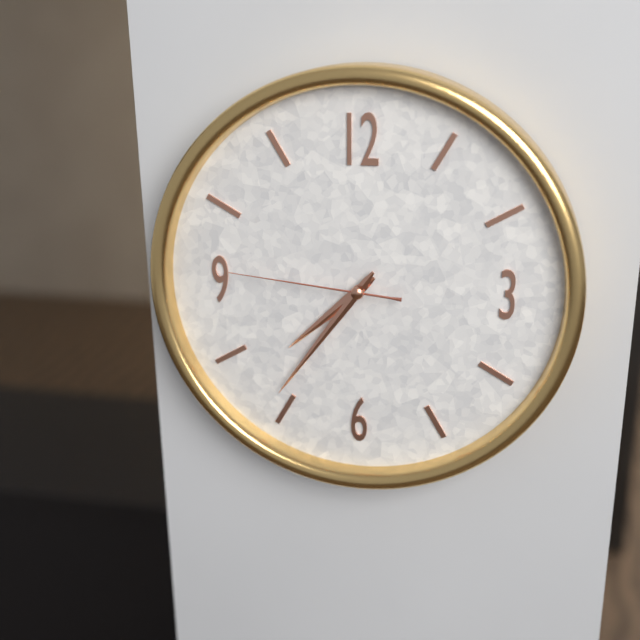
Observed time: 7:36:46
